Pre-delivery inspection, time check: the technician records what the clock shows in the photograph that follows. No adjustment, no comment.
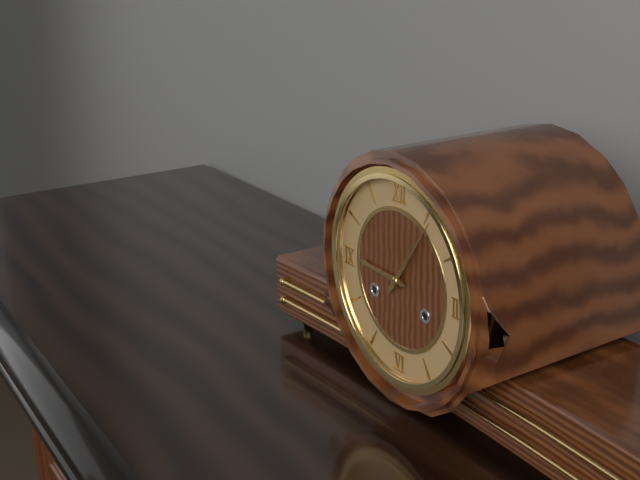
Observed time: 9:06
